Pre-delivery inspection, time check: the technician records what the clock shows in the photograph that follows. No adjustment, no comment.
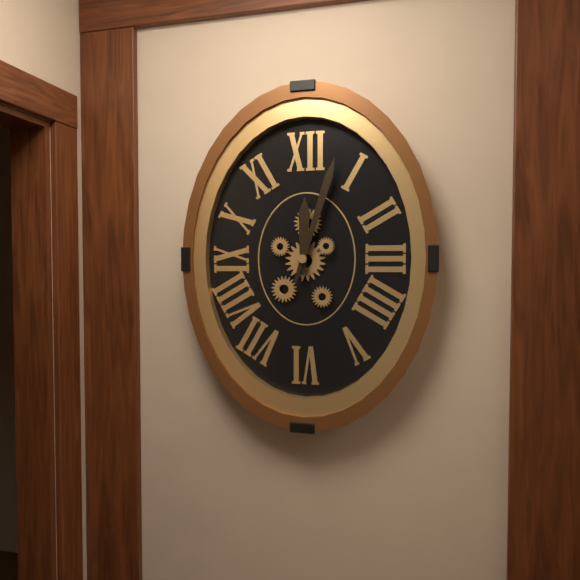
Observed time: 12:03
